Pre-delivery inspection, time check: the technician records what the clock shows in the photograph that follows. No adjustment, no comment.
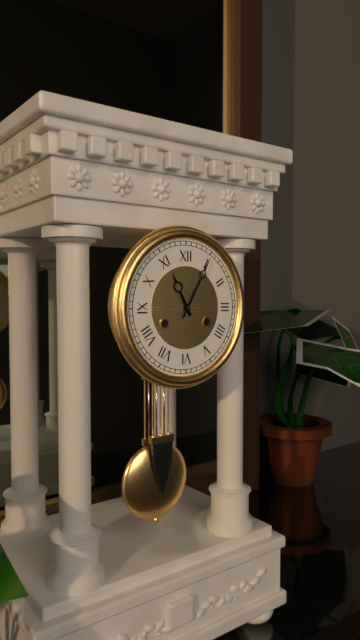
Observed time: 11:05
